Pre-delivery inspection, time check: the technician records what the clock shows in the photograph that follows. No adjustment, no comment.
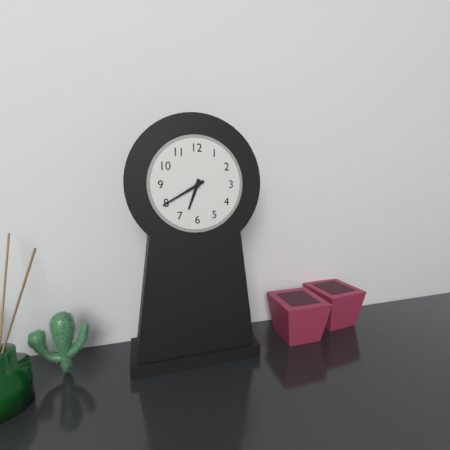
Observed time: 6:40
